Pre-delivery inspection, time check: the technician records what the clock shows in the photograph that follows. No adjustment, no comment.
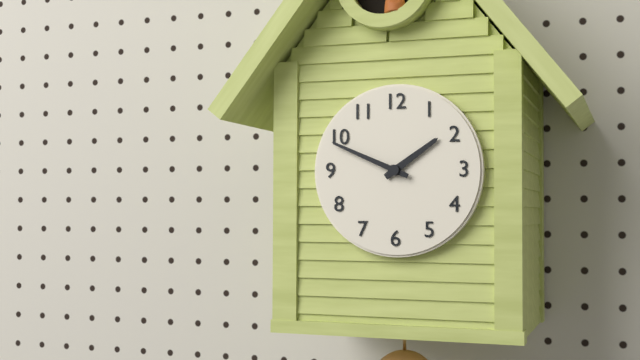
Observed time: 1:49
